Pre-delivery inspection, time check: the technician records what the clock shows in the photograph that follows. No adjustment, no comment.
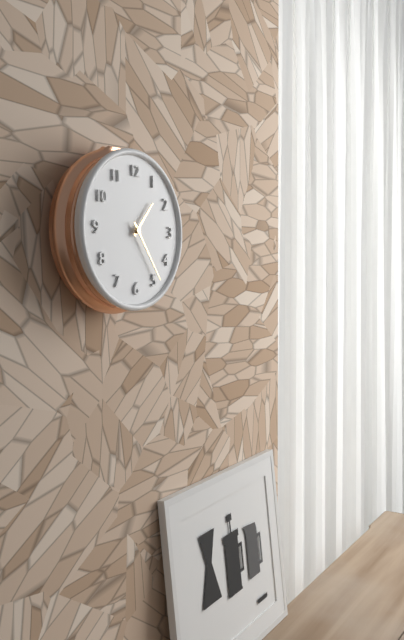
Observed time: 1:24
